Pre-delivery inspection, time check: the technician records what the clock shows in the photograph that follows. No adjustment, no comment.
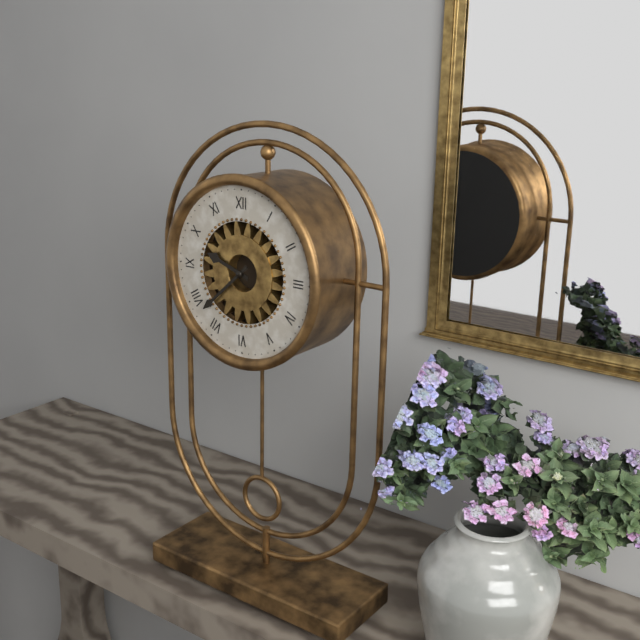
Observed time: 9:38
